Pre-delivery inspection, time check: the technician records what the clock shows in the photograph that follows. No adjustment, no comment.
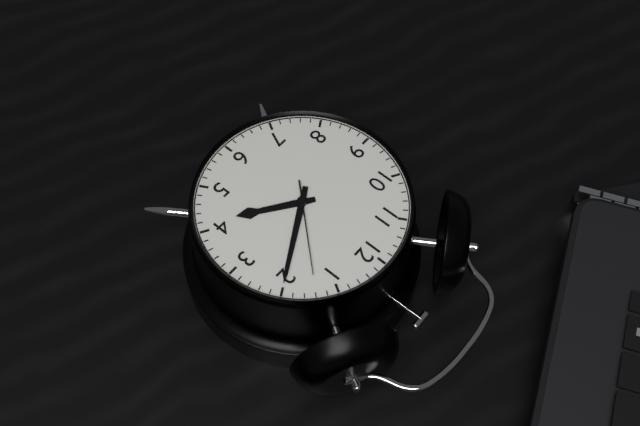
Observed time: 4:10:07
